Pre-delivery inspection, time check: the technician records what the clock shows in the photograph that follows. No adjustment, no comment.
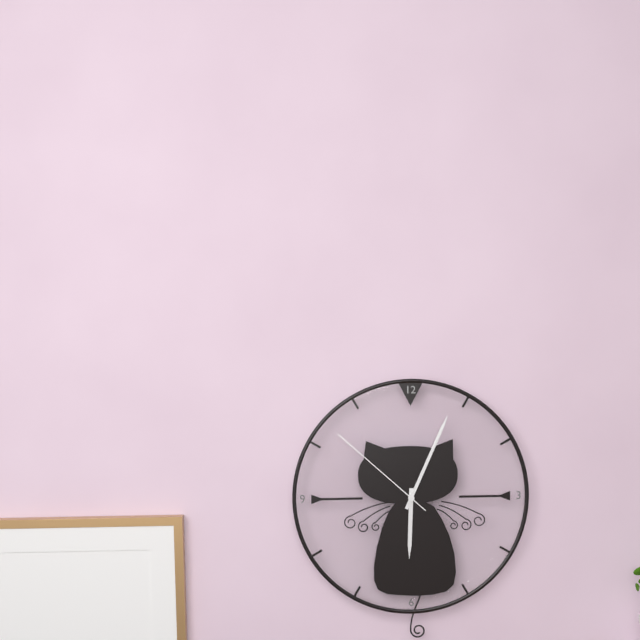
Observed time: 6:04:52
